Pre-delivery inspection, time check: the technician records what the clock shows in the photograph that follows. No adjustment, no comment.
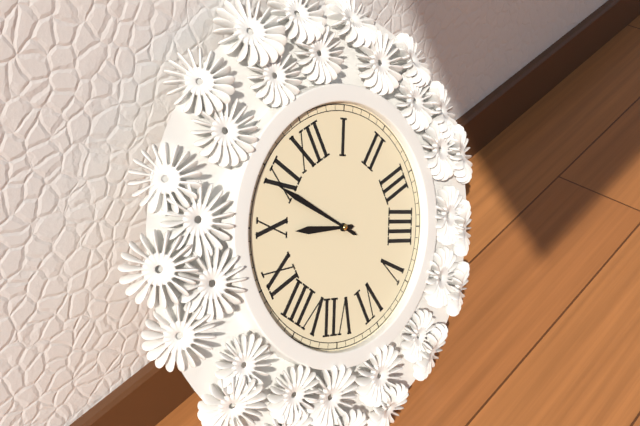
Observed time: 9:54
